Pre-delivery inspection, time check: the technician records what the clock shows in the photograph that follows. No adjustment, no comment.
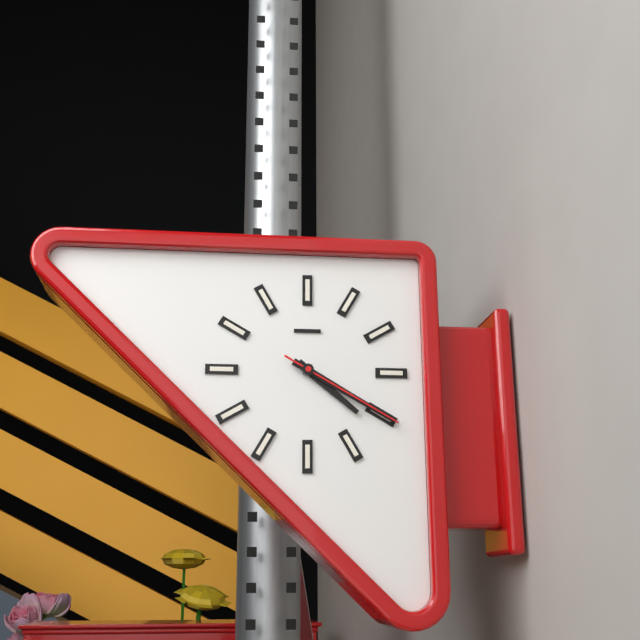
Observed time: 4:20:20
